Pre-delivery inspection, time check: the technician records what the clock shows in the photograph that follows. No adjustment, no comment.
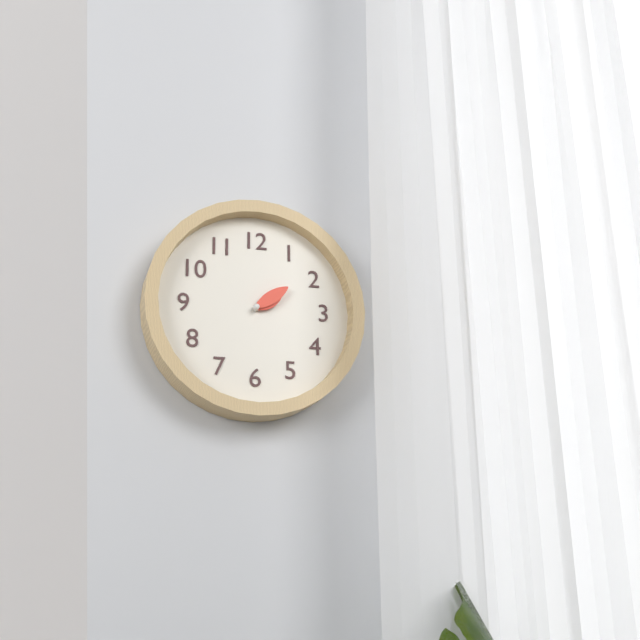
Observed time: 2:09
